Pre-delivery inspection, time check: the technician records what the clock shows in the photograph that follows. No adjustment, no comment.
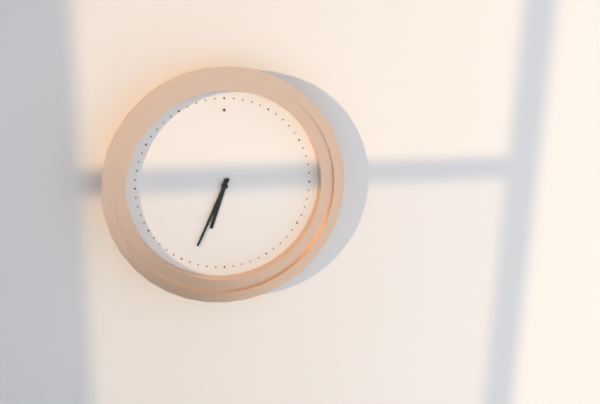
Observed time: 6:34
